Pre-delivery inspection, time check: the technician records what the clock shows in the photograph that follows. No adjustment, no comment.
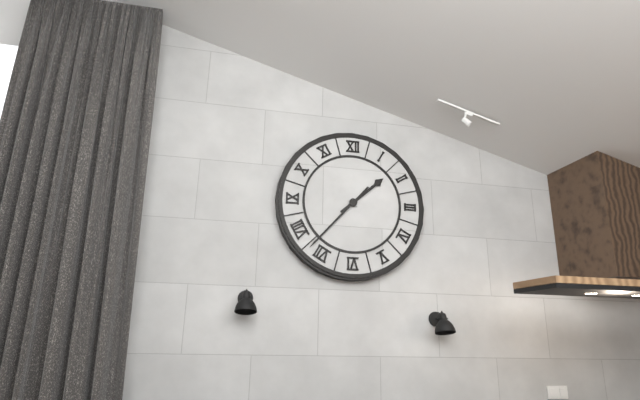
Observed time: 1:37
